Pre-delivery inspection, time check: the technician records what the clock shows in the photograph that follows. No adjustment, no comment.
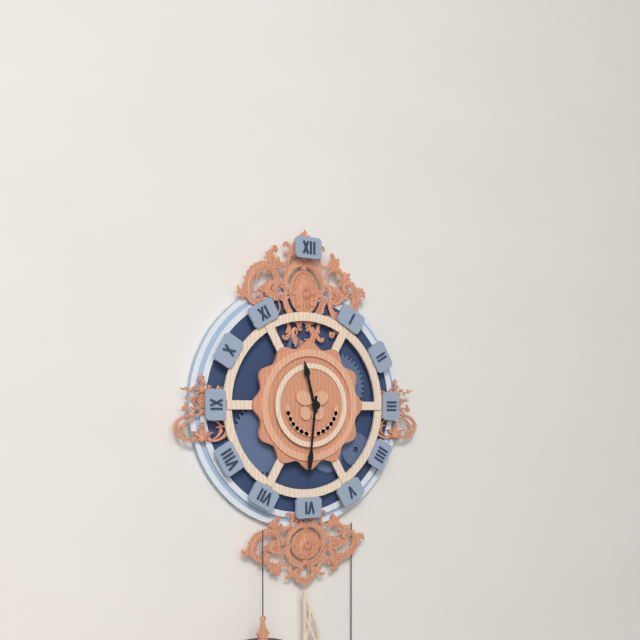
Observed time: 11:31
